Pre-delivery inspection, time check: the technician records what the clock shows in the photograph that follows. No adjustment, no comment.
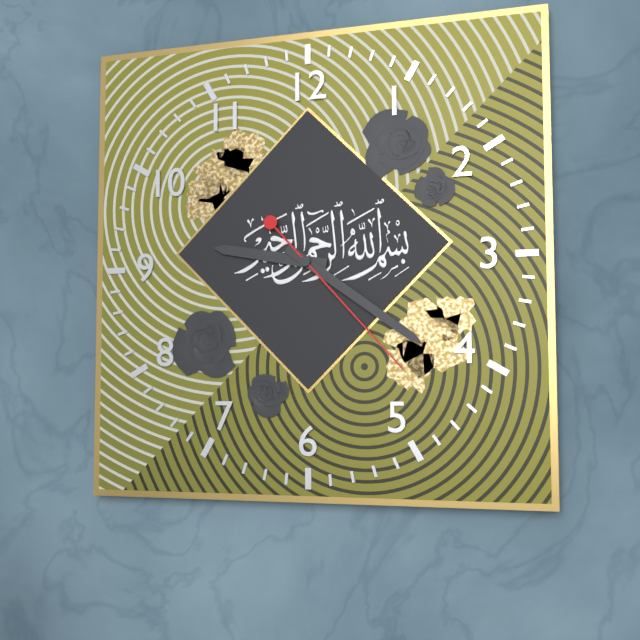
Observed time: 9:21:23
